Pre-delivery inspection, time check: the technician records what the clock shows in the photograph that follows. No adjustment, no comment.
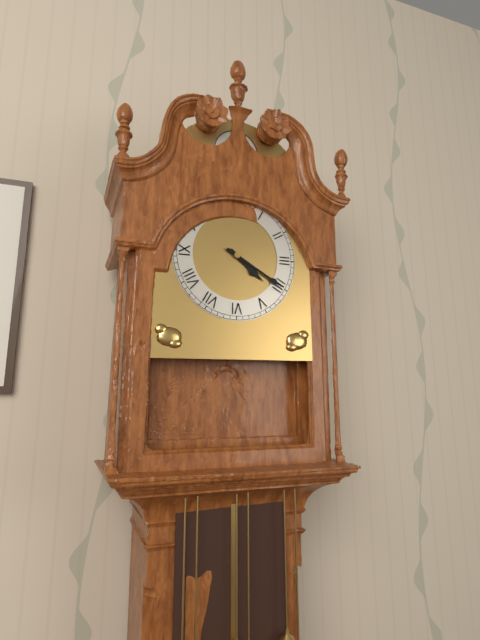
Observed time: 4:20
